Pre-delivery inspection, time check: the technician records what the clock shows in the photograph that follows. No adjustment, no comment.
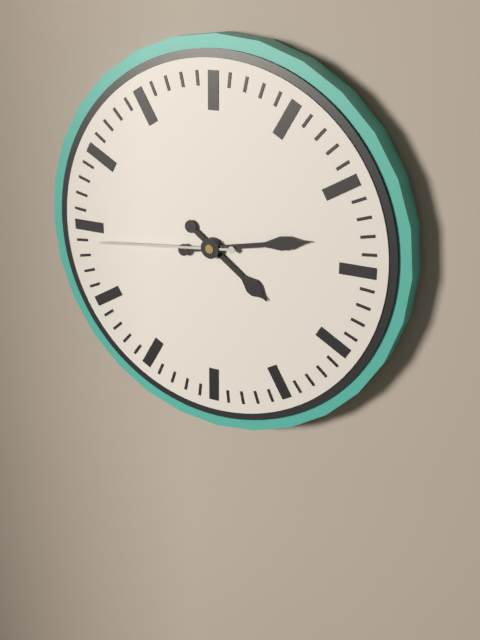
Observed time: 4:13:44
